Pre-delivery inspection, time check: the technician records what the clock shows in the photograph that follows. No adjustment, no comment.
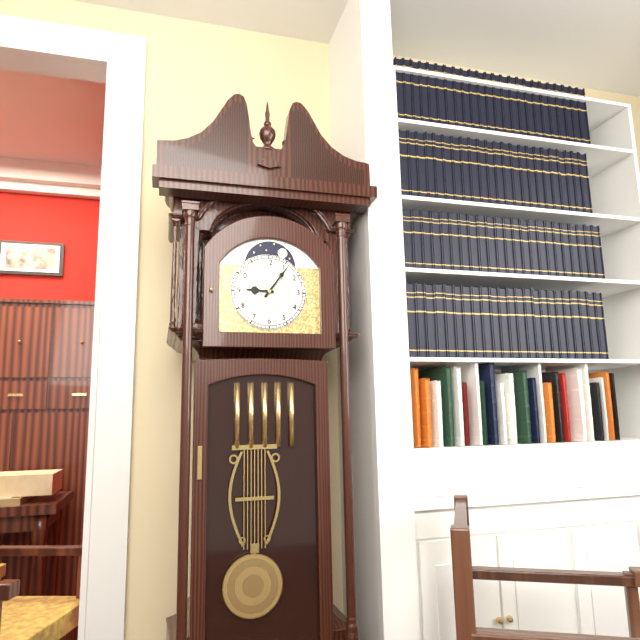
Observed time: 9:06
